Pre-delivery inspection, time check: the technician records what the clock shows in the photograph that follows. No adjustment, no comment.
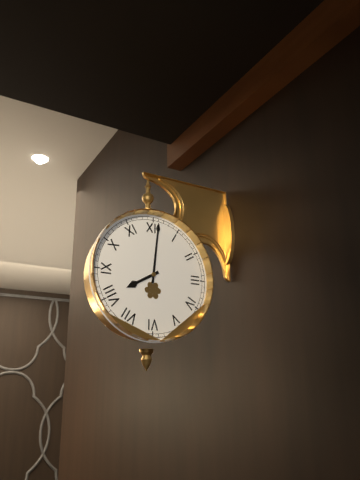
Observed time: 8:01
